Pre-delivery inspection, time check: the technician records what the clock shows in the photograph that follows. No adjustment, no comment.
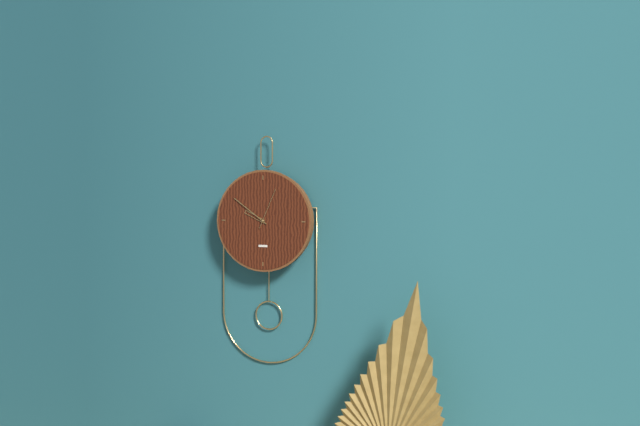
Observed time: 9:51
